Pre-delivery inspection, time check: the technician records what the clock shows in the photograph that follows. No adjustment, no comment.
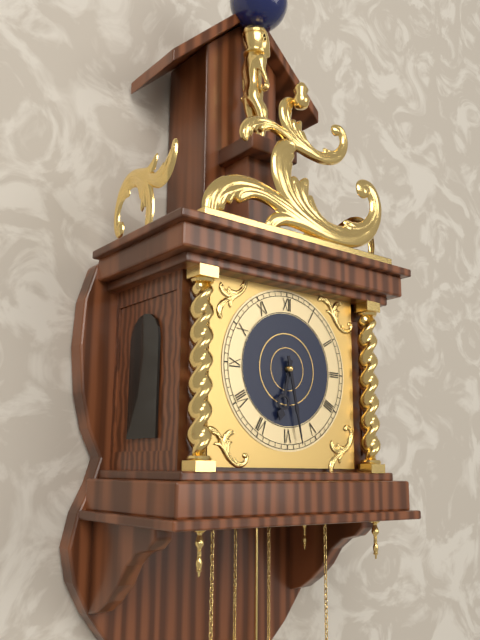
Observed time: 6:28
